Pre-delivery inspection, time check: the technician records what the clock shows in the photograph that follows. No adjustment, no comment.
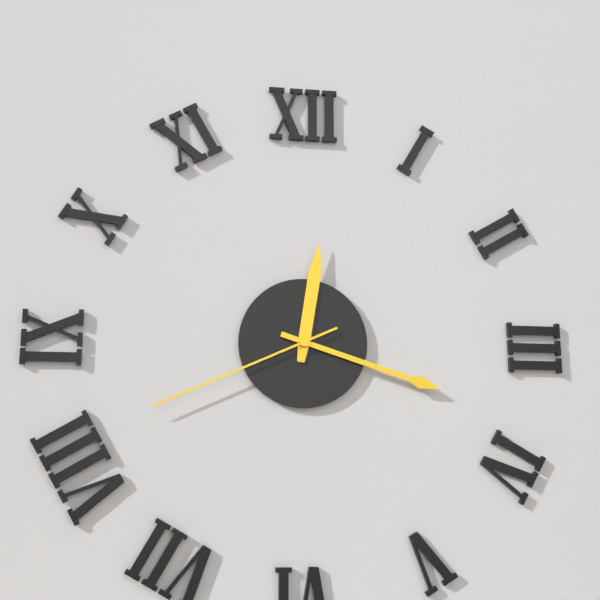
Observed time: 12:18:41
